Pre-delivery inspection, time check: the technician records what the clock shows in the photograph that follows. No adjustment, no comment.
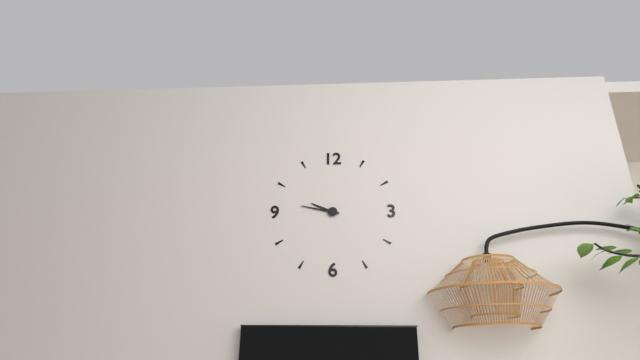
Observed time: 9:47
